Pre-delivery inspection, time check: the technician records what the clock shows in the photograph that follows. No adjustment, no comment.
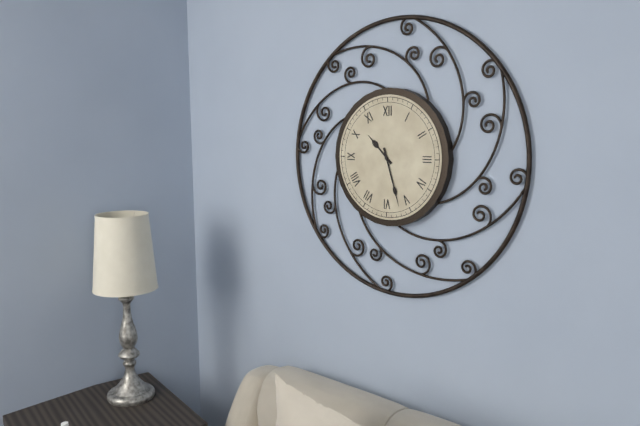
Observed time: 10:27
